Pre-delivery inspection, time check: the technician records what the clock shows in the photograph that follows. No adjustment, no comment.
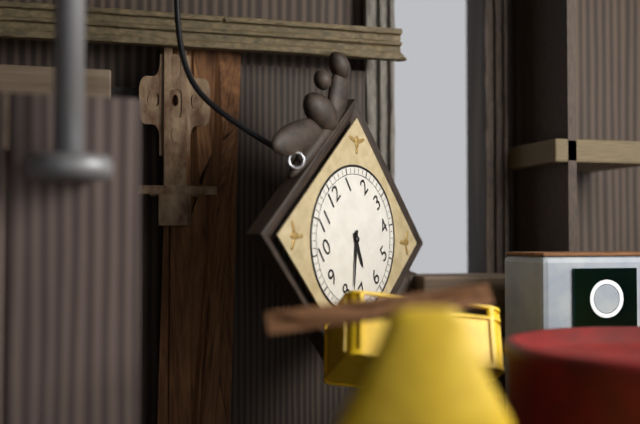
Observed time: 6:38
